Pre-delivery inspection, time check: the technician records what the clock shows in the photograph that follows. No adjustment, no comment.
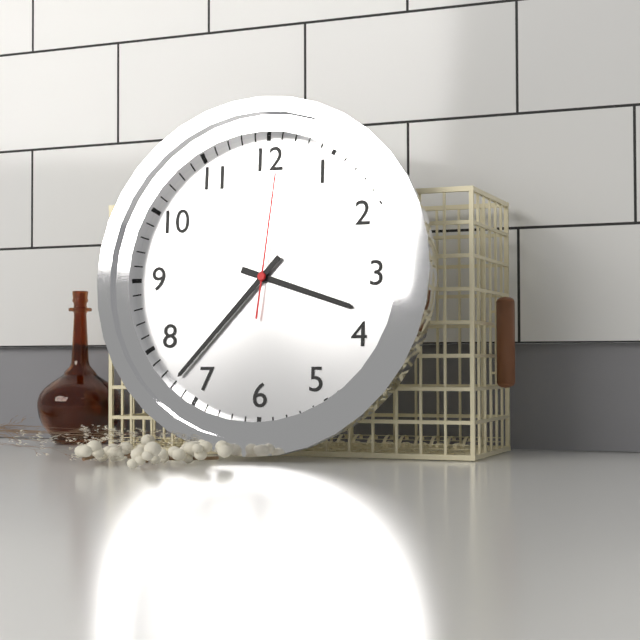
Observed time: 3:37:01
